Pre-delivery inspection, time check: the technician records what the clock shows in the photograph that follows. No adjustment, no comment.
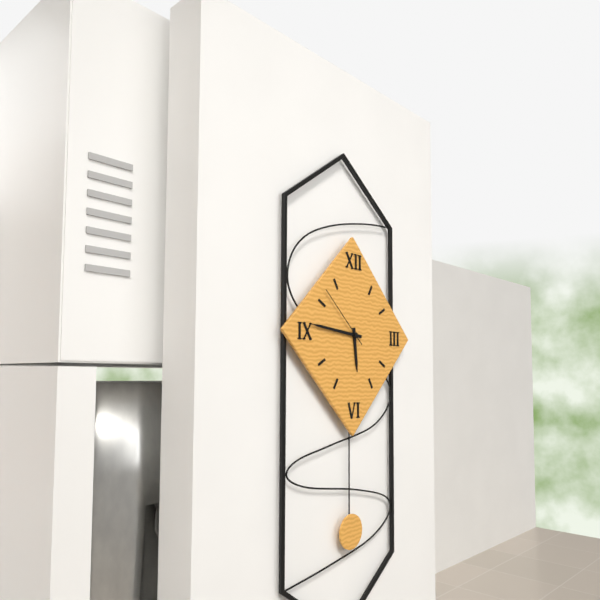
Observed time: 5:46:52
